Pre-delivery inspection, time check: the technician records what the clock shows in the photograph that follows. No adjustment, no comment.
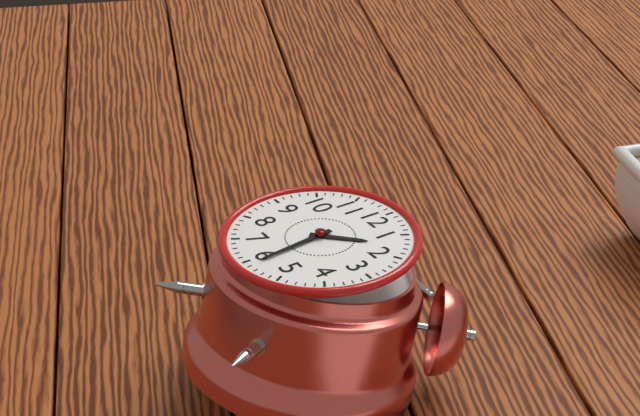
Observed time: 1:29
